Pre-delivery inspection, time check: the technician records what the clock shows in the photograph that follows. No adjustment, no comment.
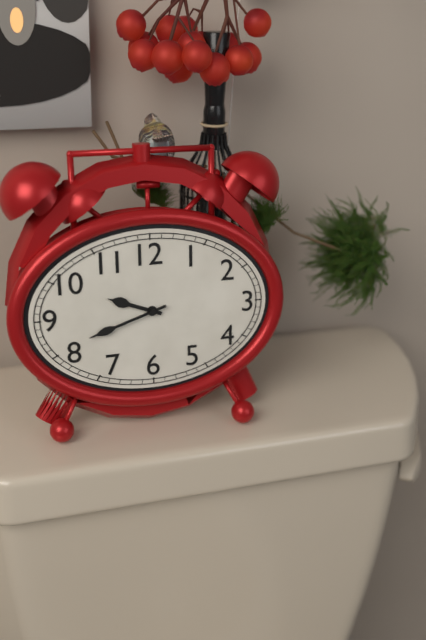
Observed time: 9:42
